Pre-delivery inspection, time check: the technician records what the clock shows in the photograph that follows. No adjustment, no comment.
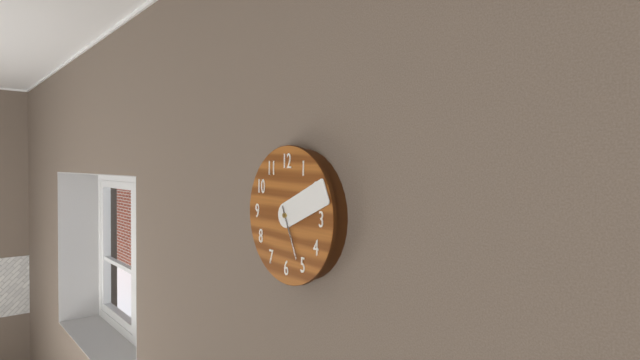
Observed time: 5:11
